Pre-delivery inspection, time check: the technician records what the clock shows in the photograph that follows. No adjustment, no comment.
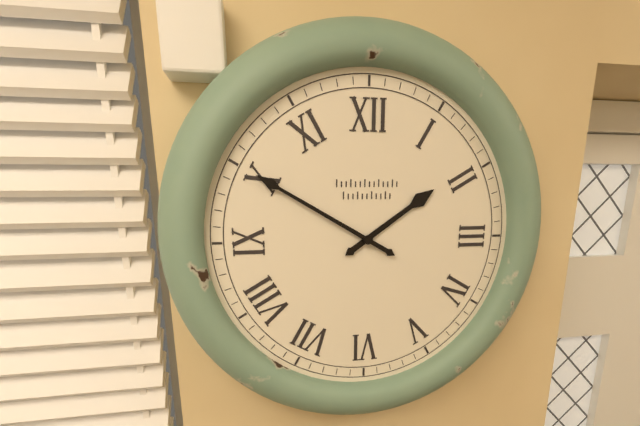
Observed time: 1:50
